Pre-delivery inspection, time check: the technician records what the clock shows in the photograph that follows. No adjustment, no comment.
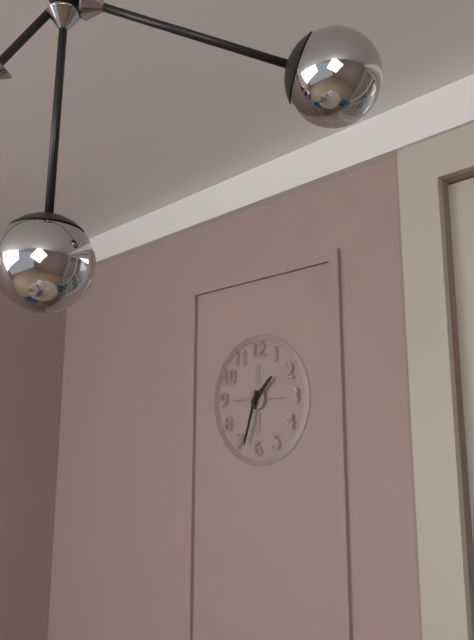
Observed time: 1:33
